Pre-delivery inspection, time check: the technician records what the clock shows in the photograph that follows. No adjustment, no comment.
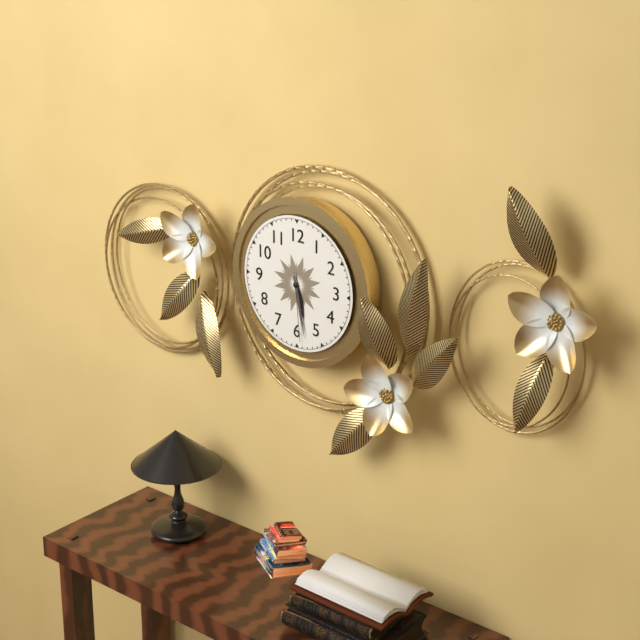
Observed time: 5:28:29
